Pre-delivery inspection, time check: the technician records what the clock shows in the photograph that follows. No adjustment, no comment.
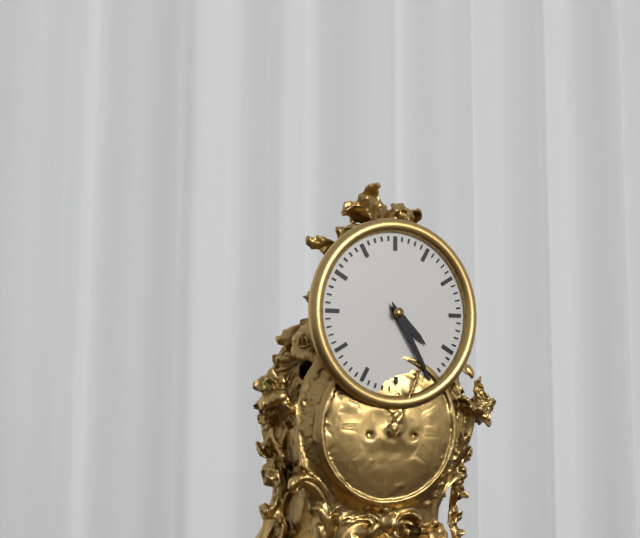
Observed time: 4:25
